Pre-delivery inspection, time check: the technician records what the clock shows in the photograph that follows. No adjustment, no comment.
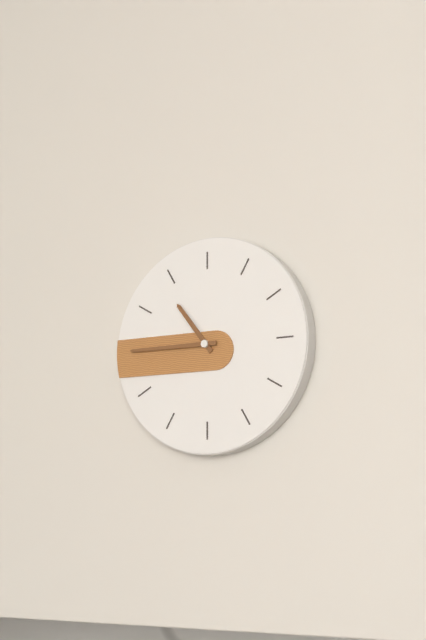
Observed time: 10:45
